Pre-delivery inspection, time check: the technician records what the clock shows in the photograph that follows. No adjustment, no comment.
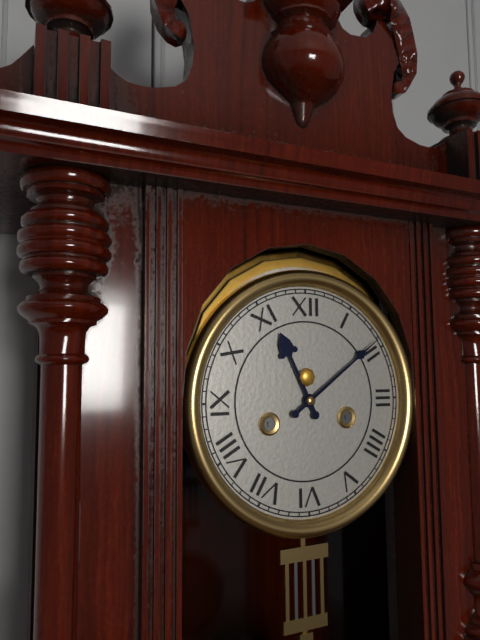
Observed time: 11:09
